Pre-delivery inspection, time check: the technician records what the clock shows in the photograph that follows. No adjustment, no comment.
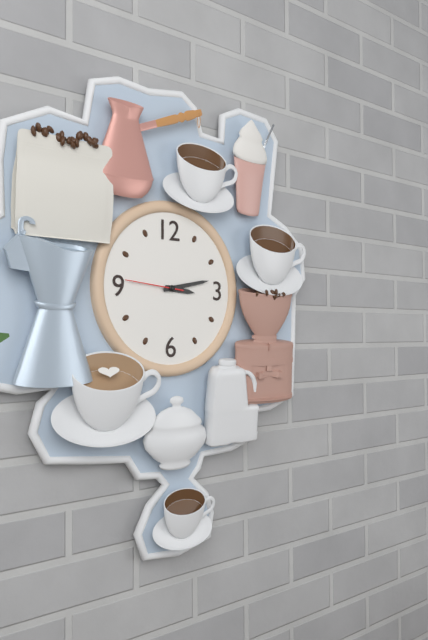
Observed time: 3:13:46
